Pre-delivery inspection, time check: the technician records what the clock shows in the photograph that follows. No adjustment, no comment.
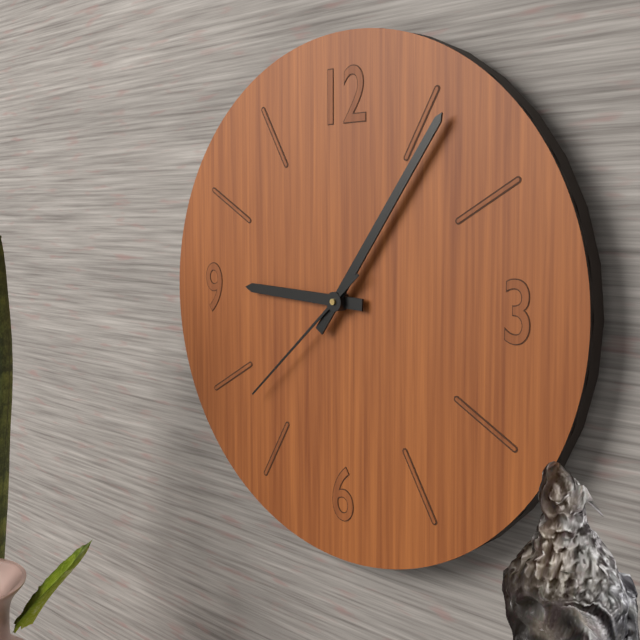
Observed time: 9:06:38
